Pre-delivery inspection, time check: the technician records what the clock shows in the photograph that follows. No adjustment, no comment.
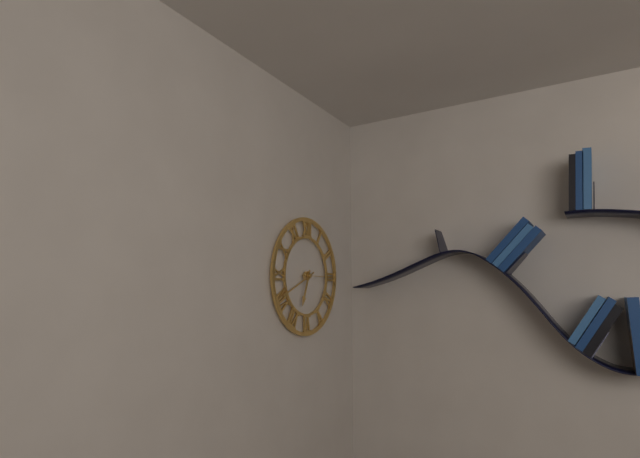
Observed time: 6:41
